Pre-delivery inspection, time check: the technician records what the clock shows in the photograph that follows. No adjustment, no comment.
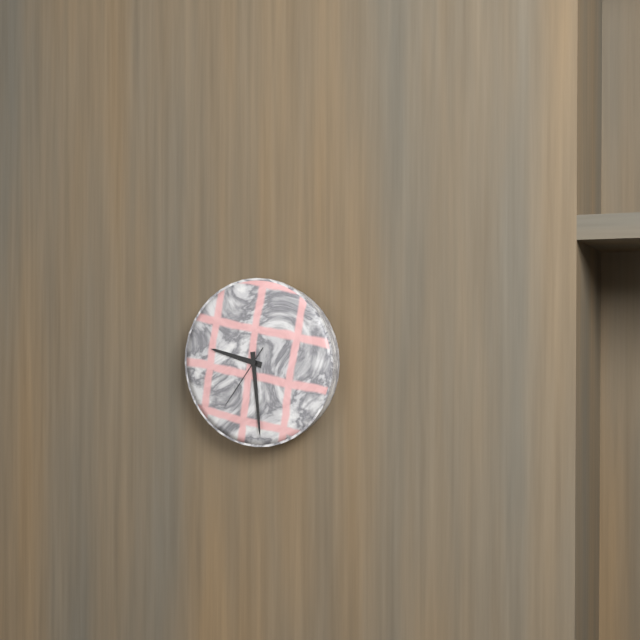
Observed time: 9:29:36
